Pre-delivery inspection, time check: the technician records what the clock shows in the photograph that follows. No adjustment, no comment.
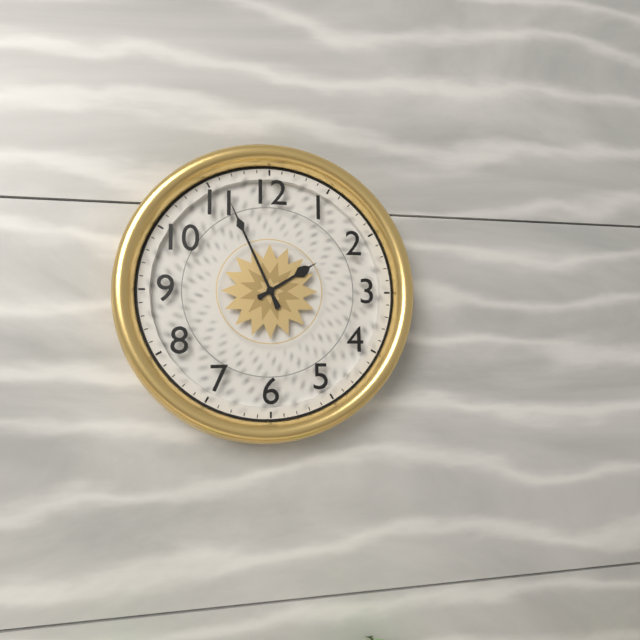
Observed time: 1:56
